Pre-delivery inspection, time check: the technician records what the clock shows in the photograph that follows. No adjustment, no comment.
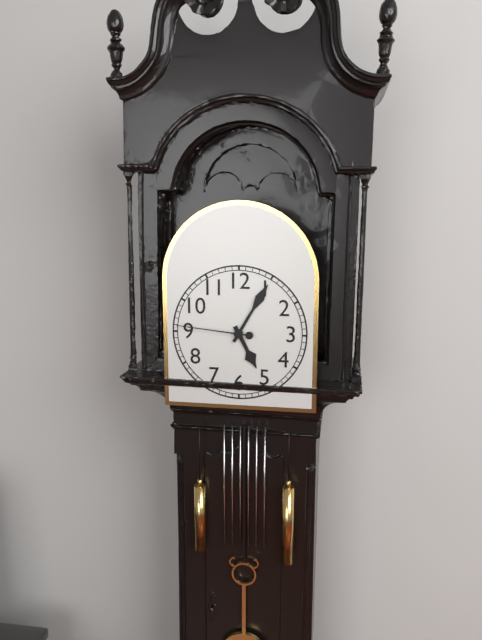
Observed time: 5:05:46
